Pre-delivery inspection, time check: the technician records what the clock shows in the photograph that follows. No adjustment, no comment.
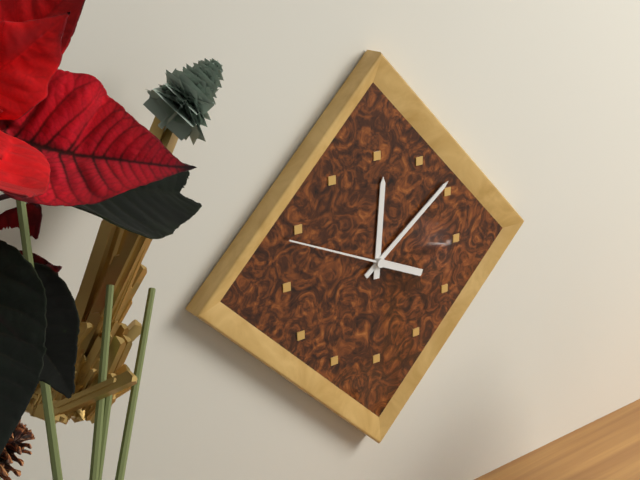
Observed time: 12:09:49
